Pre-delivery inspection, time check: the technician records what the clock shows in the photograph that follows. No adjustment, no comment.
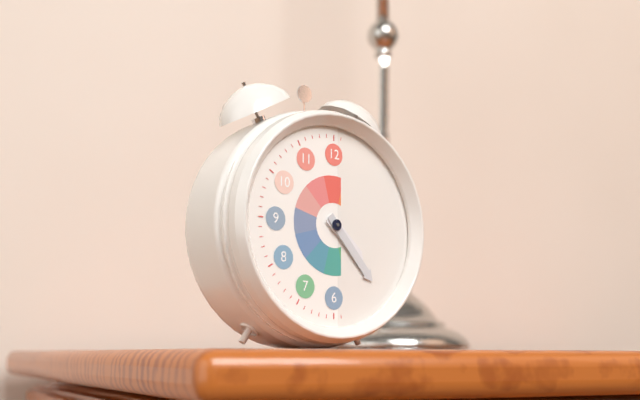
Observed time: 4:23
